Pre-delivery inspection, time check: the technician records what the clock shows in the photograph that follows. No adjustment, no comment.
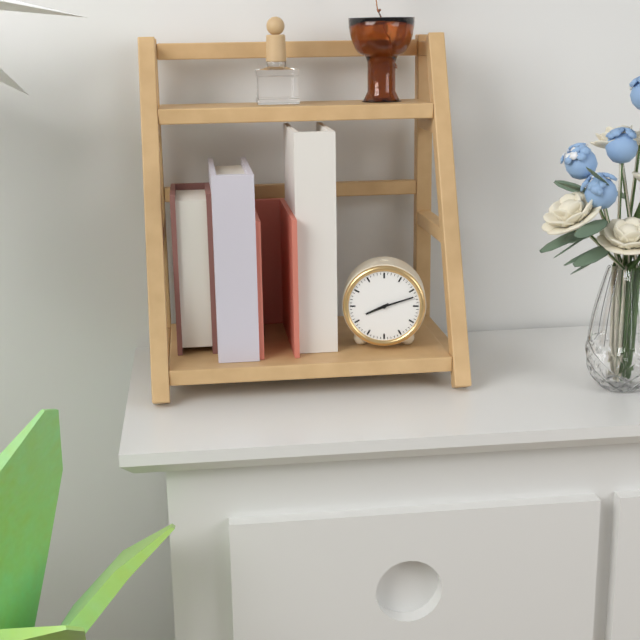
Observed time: 8:12
